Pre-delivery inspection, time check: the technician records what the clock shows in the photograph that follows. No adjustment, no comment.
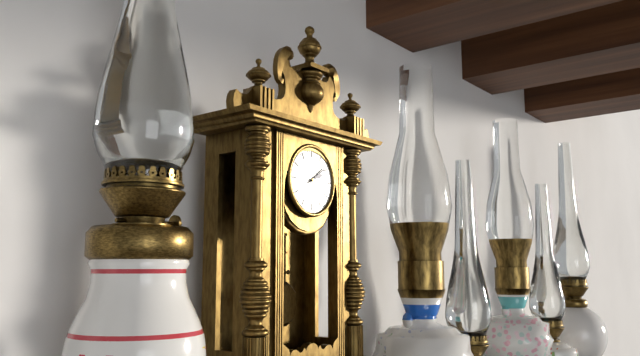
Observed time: 2:09
